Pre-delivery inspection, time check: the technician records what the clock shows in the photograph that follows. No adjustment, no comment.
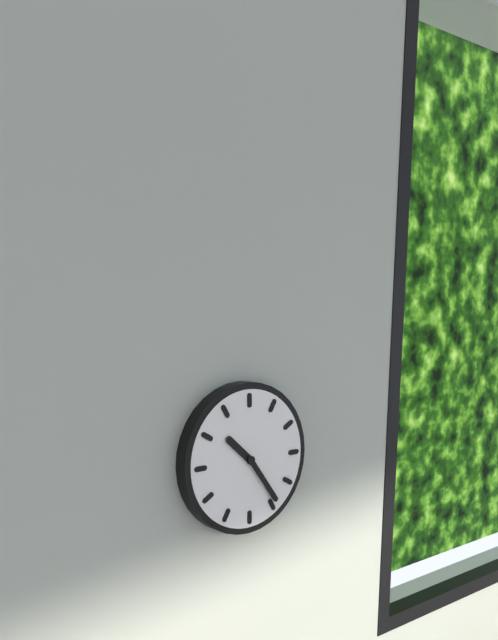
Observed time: 10:24
